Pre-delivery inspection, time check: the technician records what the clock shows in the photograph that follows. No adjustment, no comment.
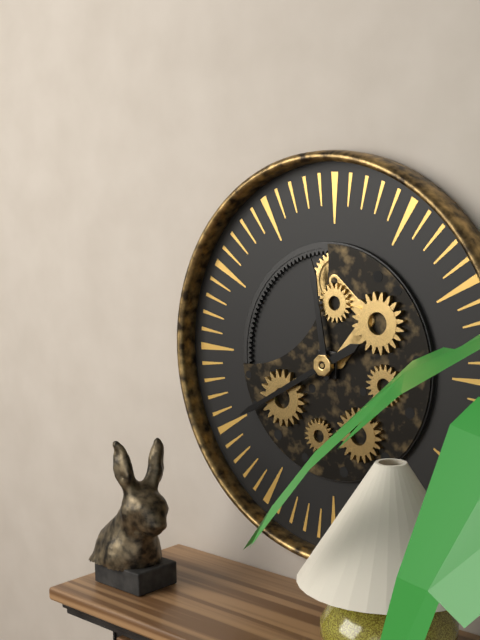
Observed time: 11:40
